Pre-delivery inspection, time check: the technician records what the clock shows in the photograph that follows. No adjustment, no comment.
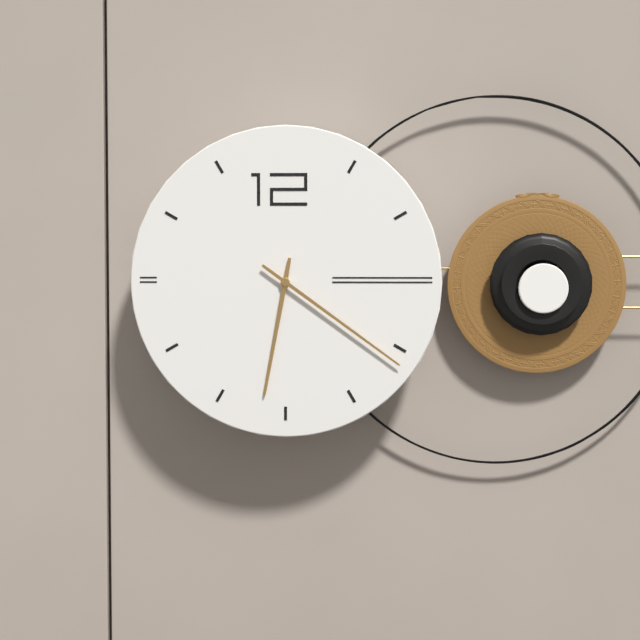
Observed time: 6:21
